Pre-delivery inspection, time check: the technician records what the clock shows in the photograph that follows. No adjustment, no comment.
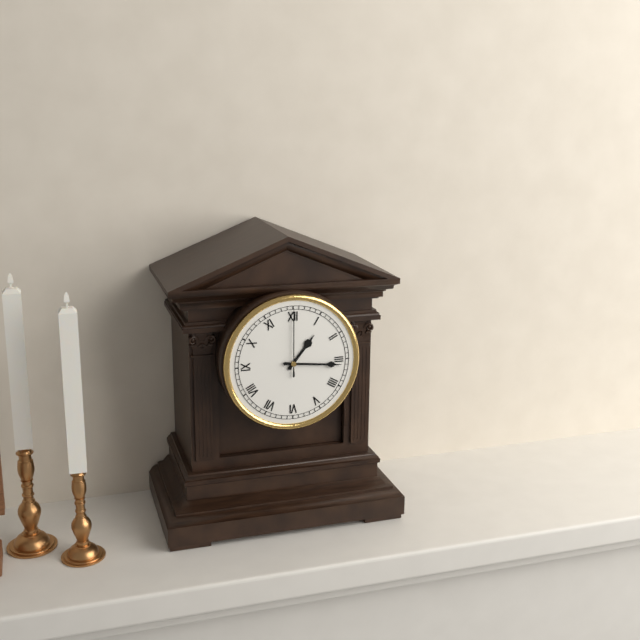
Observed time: 1:16:00
